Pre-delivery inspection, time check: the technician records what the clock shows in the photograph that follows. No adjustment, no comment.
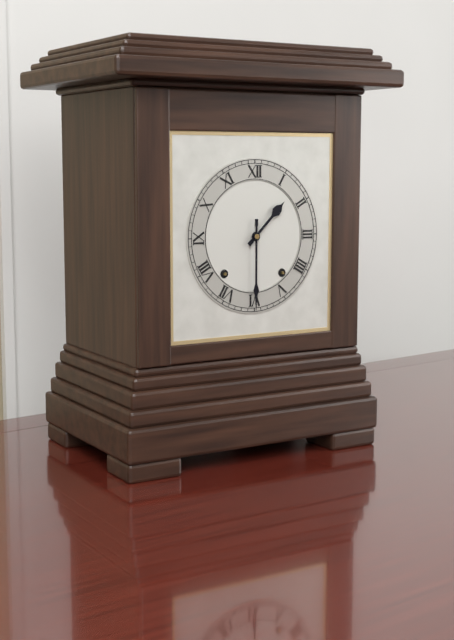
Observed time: 1:30
